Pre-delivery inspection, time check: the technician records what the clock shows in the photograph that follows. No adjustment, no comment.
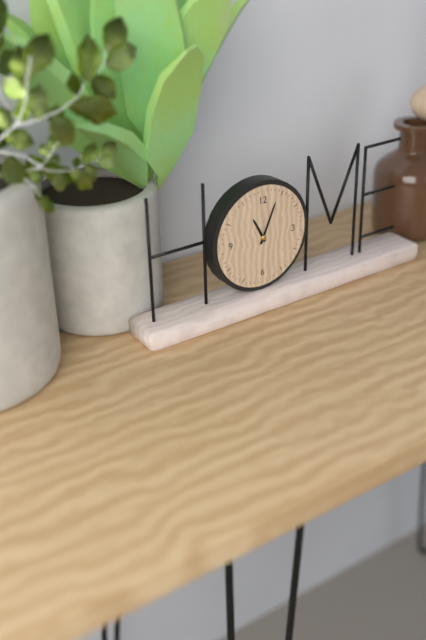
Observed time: 11:04
